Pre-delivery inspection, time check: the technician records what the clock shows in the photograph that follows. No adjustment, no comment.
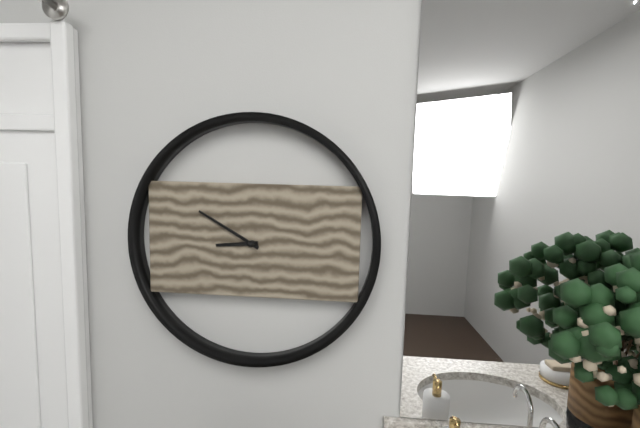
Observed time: 8:50
